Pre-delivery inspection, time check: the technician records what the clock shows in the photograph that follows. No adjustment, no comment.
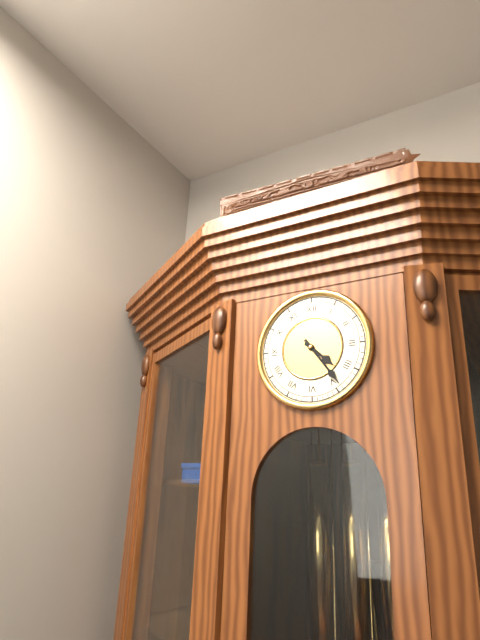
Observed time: 4:24
